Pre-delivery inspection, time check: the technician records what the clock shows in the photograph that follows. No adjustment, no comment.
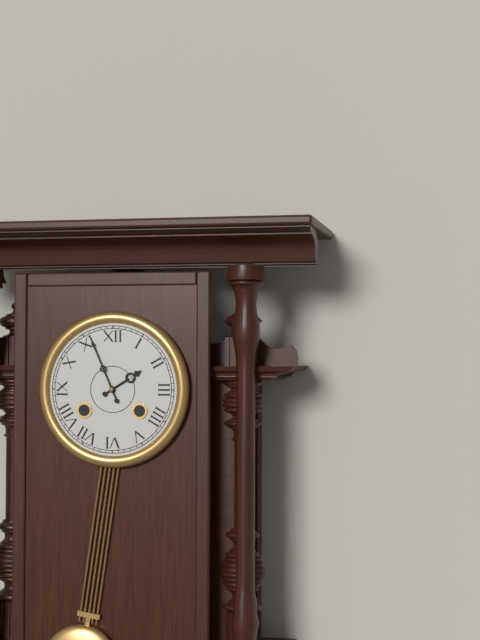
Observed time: 1:56
